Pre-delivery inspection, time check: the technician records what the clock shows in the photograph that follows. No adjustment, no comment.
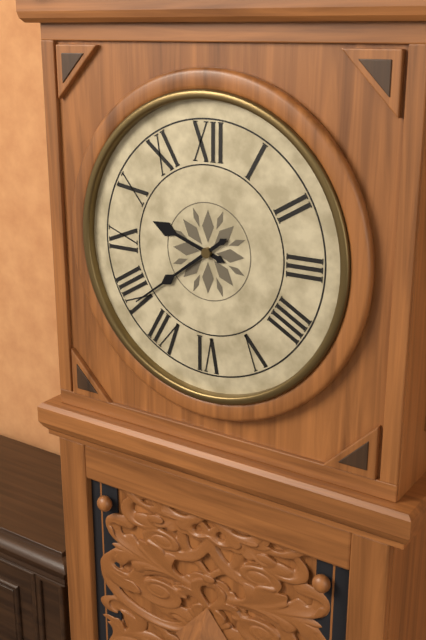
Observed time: 9:39
